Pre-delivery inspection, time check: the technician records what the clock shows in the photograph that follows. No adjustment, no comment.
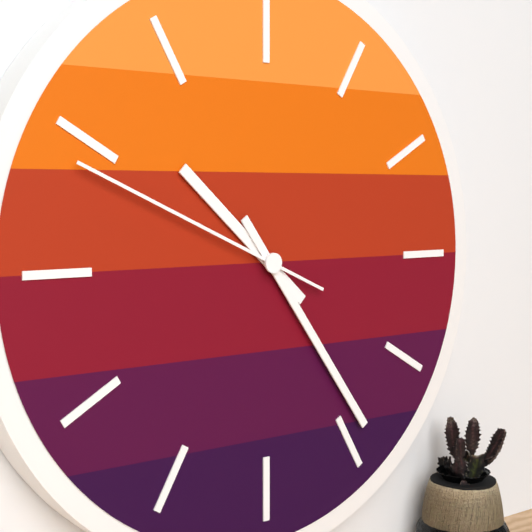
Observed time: 10:24:49
